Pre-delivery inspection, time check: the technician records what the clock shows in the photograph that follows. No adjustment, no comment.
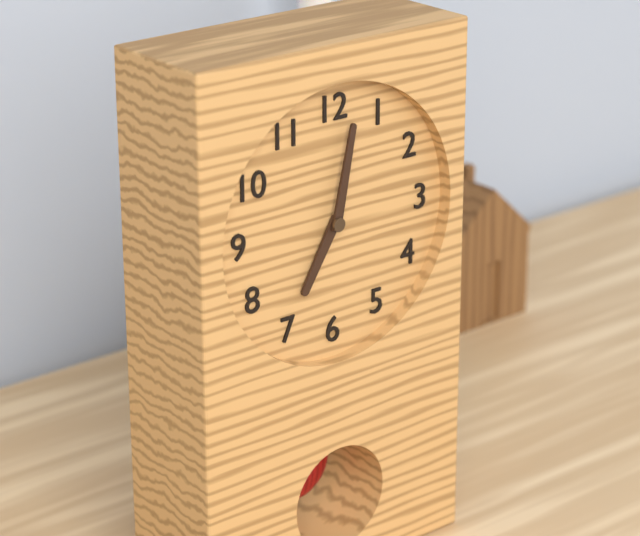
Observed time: 7:02
